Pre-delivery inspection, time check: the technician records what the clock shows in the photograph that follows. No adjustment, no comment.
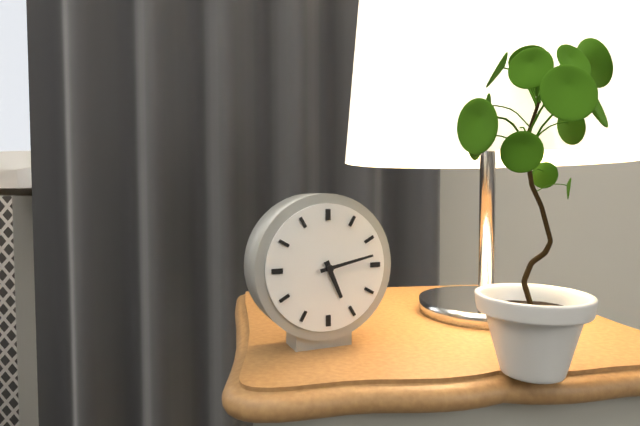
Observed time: 5:13
